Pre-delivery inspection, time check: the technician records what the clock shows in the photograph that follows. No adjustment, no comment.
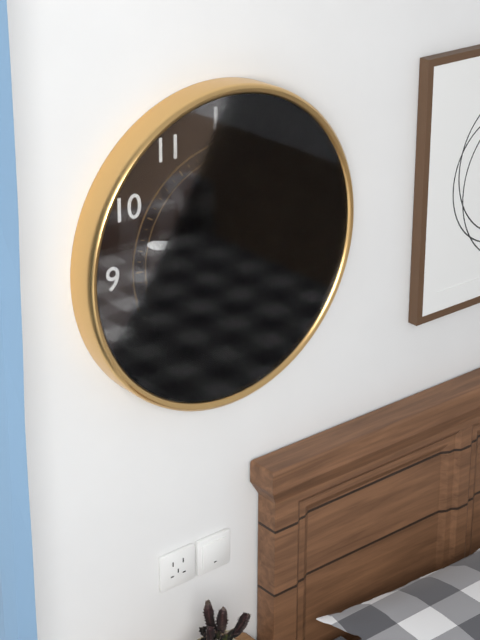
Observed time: 9:32:33
